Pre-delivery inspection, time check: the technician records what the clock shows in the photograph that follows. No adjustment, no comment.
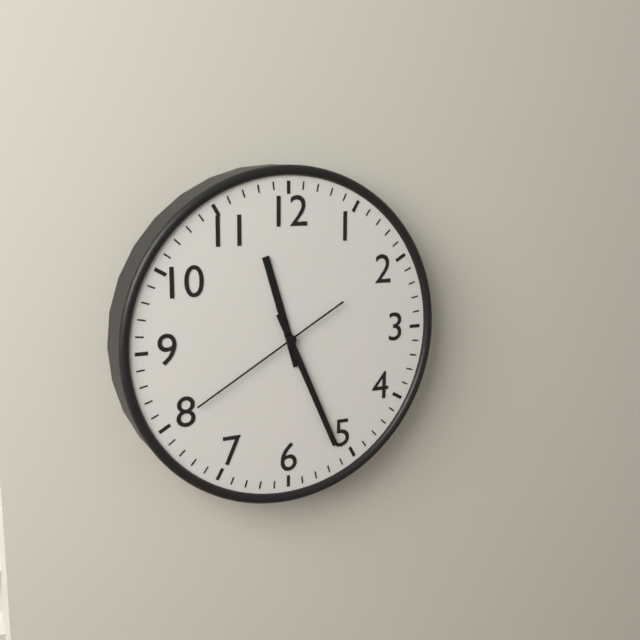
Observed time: 11:26:40
